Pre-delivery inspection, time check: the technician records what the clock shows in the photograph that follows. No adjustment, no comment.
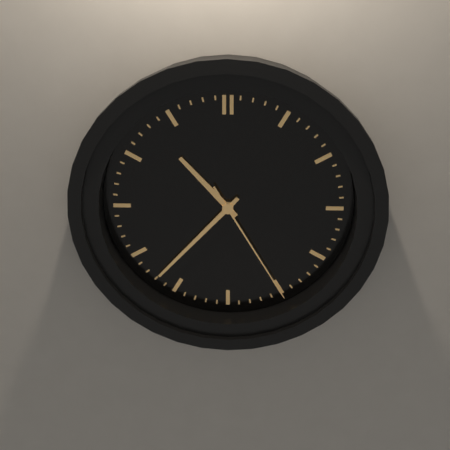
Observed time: 10:37:25
